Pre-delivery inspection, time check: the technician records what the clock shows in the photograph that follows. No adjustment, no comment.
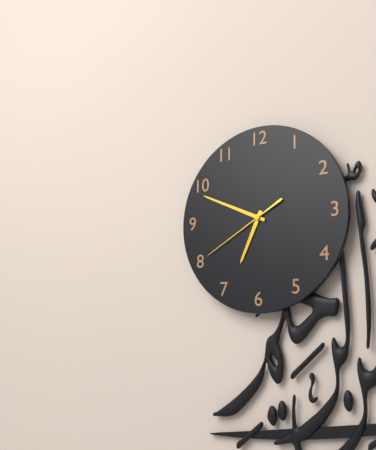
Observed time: 6:49:40
